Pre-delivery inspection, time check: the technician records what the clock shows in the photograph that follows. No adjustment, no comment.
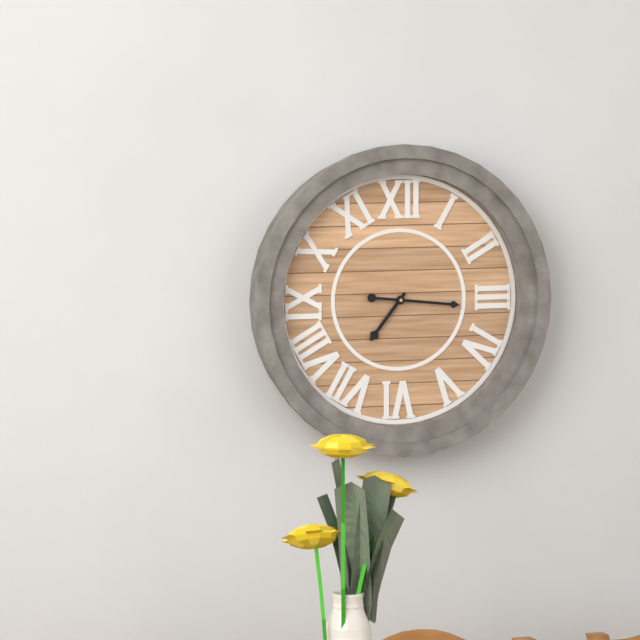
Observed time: 7:16
